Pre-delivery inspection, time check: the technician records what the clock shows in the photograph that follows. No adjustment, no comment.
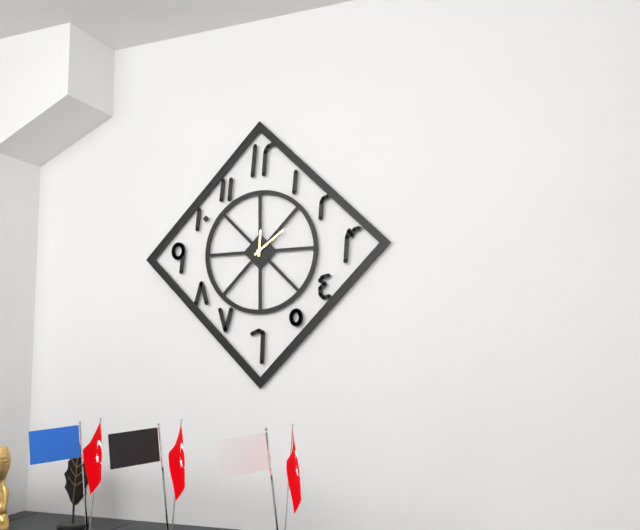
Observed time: 12:09
